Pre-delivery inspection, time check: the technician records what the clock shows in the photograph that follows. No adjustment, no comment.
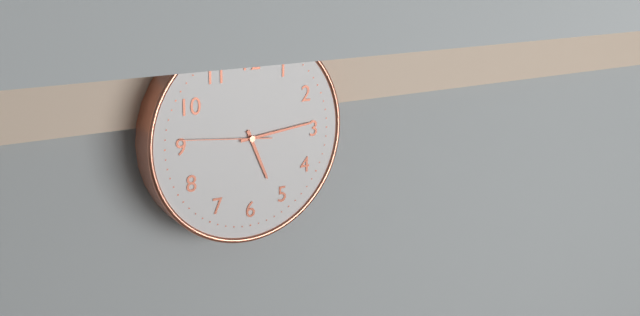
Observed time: 5:14:46
